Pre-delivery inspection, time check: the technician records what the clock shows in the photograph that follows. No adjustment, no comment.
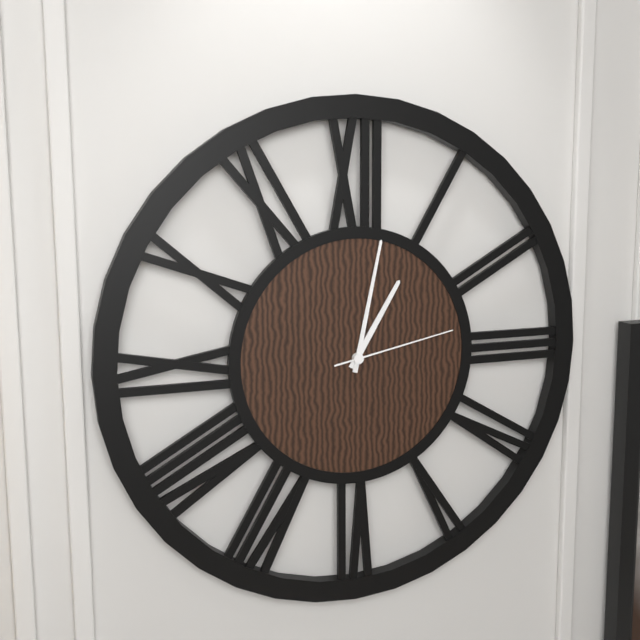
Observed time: 1:02:13
